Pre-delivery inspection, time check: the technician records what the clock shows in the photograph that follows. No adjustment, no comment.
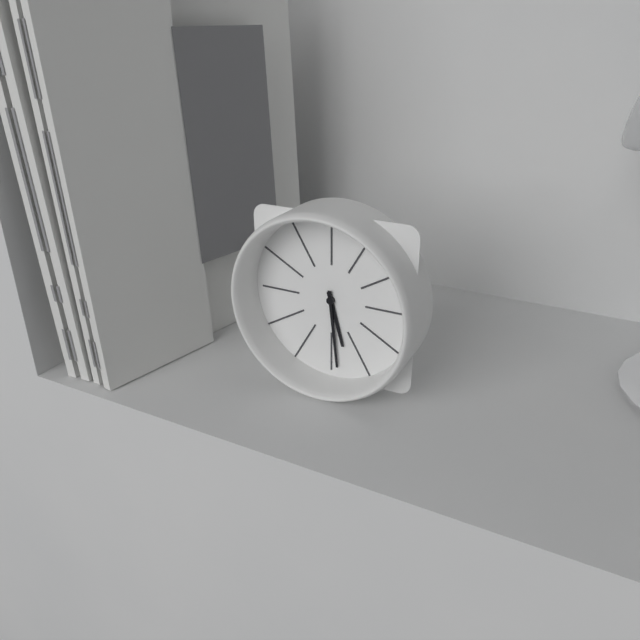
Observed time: 5:29
